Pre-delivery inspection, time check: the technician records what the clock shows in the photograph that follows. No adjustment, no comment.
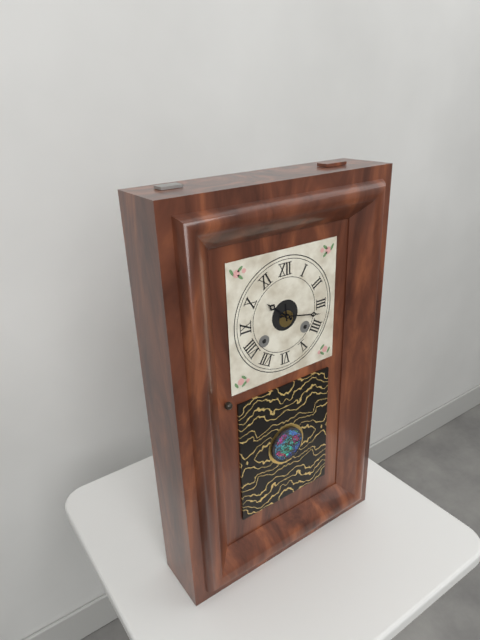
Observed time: 10:17
